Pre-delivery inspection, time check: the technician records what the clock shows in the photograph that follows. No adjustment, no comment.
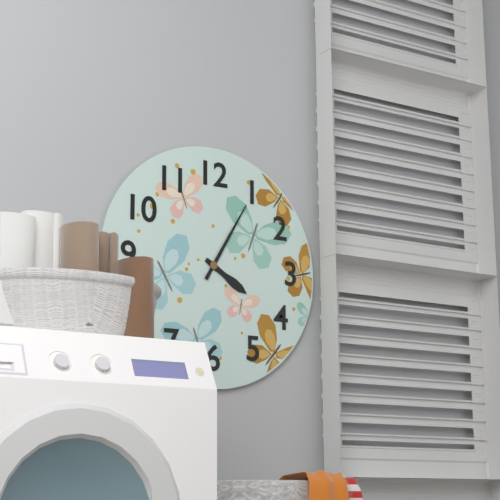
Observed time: 4:05
